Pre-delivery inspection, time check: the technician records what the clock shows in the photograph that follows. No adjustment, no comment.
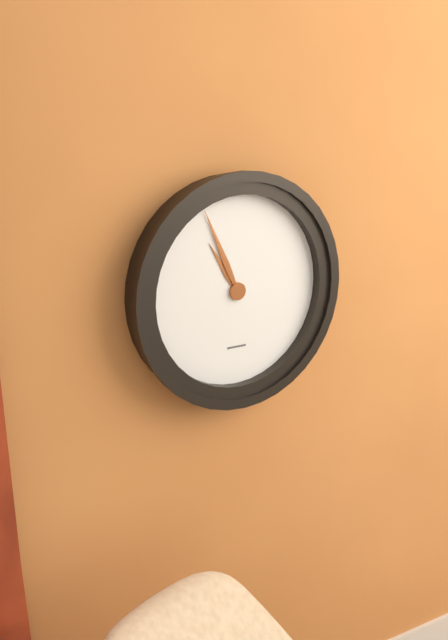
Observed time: 10:56
